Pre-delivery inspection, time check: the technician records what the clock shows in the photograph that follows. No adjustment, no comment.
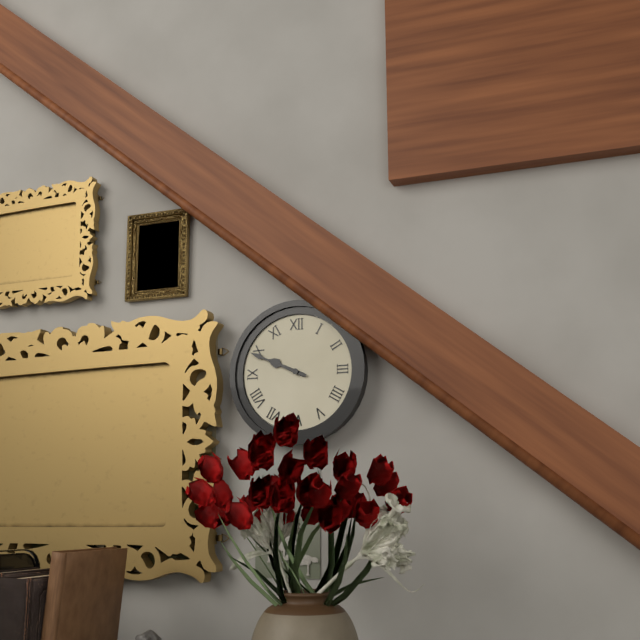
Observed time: 9:49
